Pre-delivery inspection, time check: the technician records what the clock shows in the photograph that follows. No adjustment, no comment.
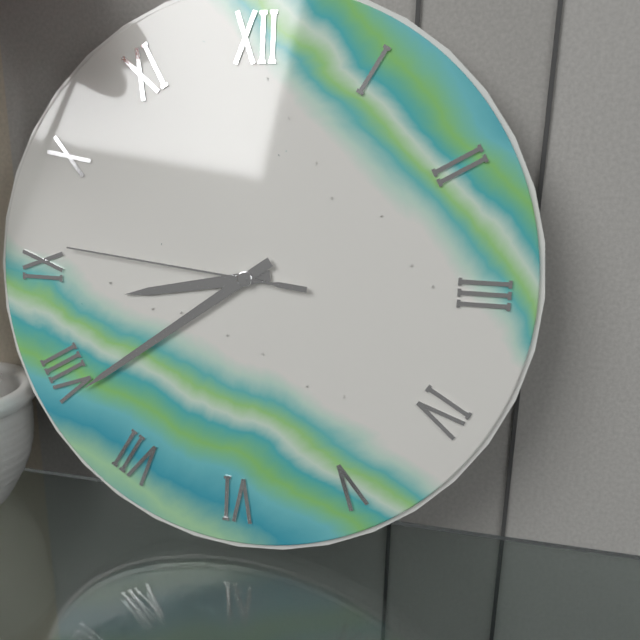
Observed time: 8:39:46
